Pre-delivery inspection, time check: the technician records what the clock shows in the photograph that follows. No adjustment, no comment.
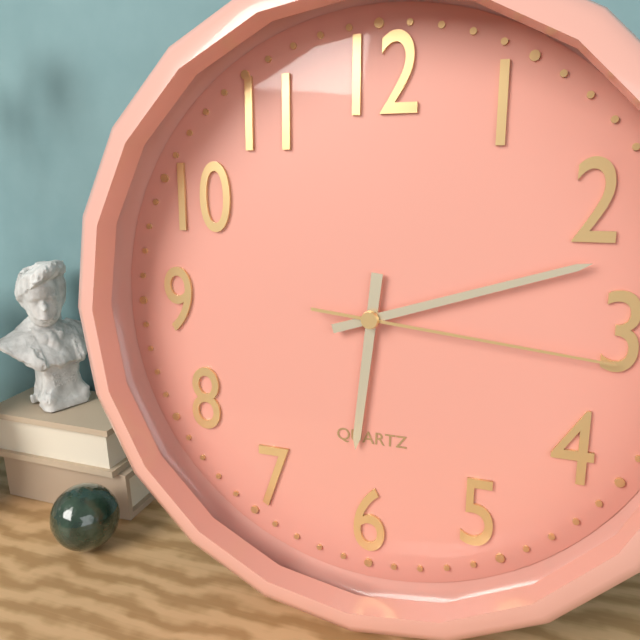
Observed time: 6:12:16
